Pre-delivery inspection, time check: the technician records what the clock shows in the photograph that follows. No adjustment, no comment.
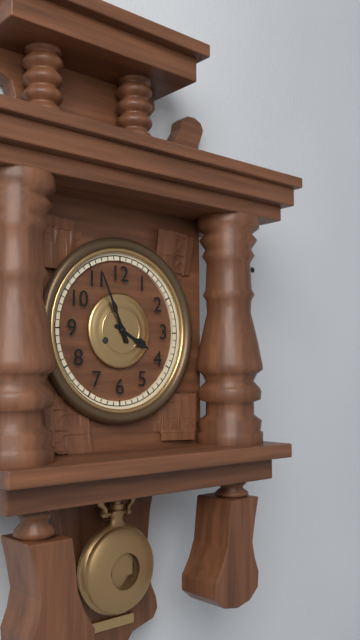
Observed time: 3:56
